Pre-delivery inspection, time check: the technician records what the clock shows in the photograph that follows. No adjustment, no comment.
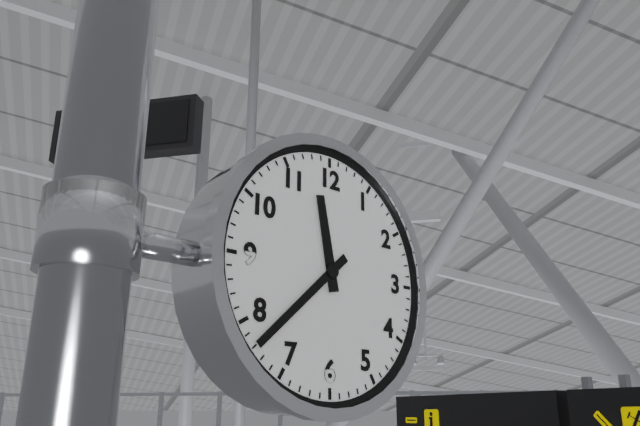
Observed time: 11:38
